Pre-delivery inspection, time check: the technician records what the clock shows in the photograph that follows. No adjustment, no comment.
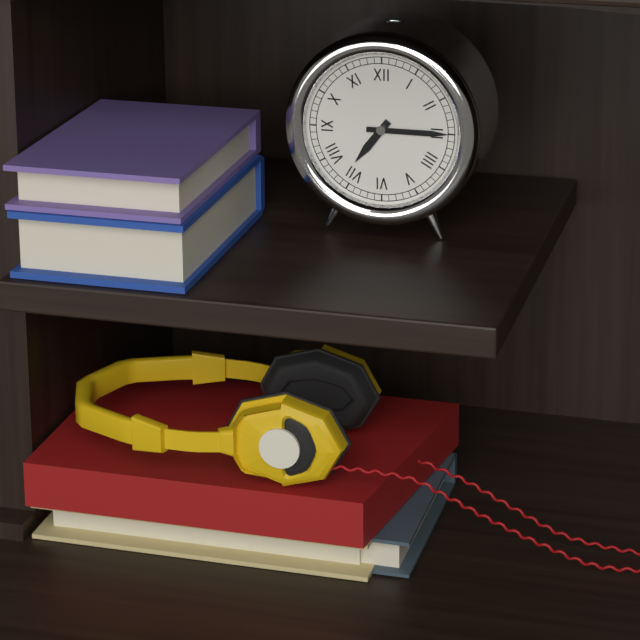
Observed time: 7:15
